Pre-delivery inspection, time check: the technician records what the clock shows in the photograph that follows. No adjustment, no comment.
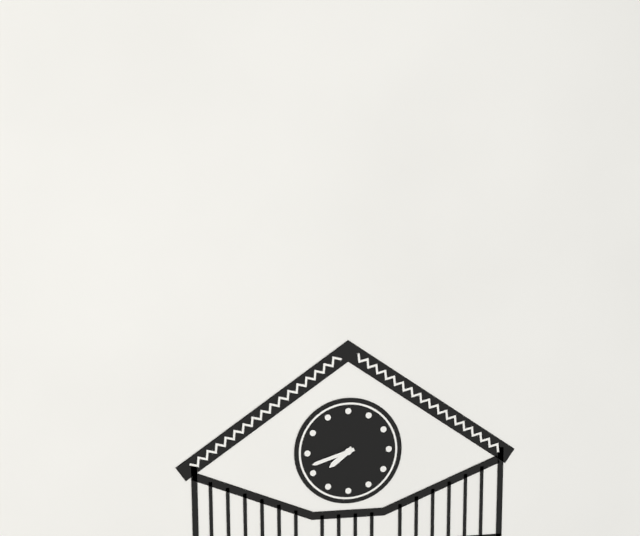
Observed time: 7:42
